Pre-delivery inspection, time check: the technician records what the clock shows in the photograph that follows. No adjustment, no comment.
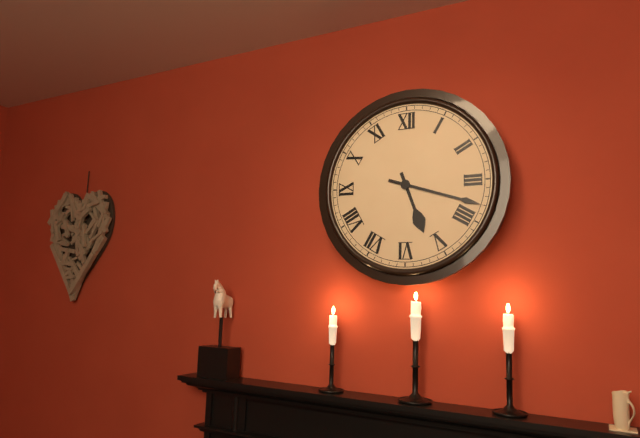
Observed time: 5:18
